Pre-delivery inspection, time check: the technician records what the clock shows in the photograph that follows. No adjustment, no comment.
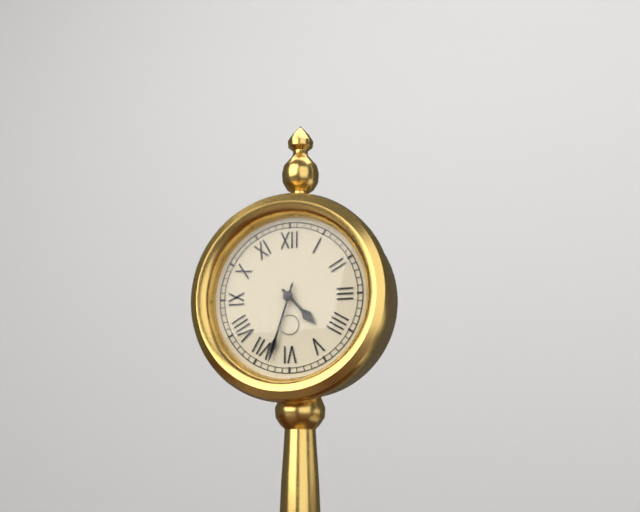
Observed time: 4:33
